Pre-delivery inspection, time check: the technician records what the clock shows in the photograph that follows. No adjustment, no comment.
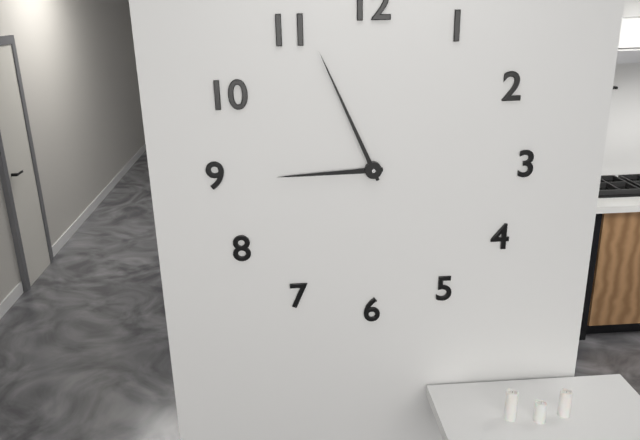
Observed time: 8:56
